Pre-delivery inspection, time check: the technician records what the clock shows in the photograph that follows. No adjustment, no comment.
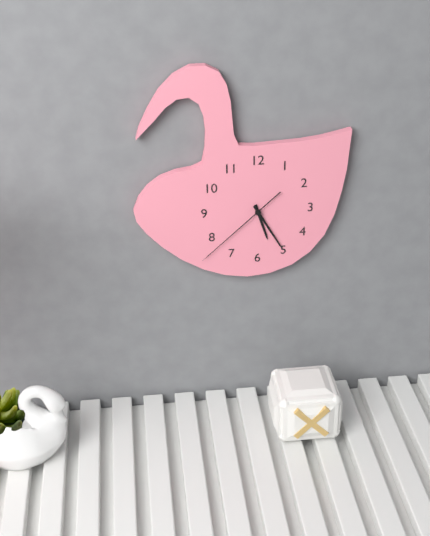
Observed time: 5:25:38
